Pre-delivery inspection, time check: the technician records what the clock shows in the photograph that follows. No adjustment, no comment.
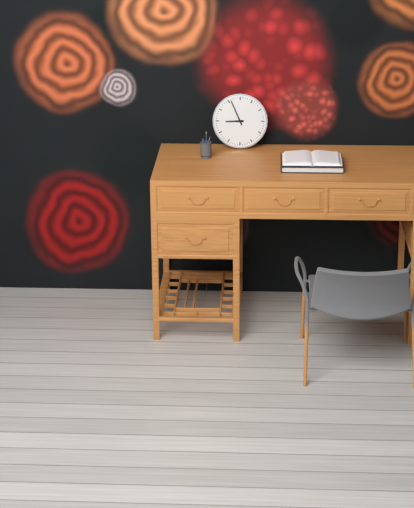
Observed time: 8:56
